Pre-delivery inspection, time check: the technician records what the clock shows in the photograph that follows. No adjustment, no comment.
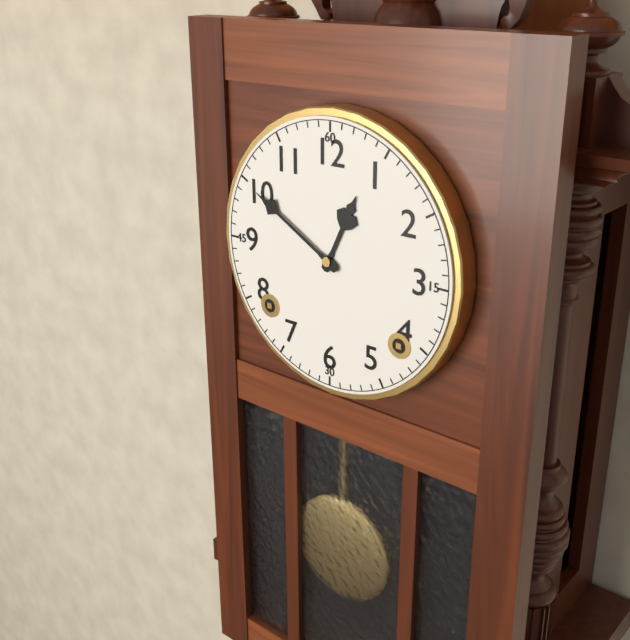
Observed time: 12:50
